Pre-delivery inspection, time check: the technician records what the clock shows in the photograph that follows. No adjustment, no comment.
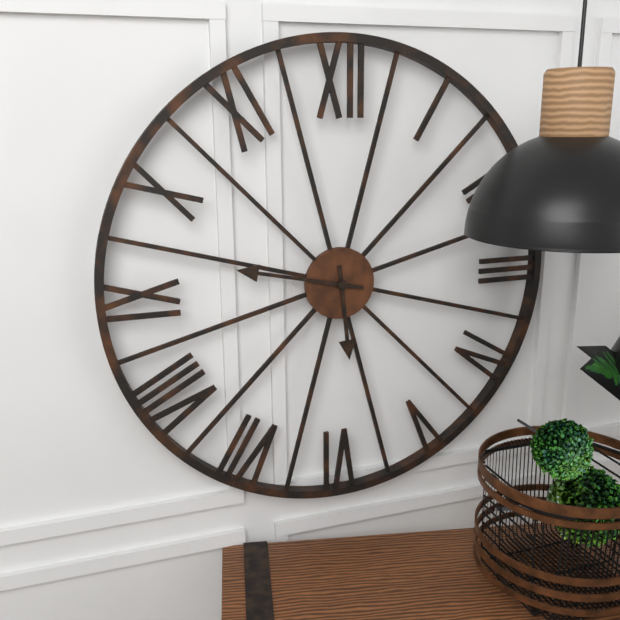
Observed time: 5:47
